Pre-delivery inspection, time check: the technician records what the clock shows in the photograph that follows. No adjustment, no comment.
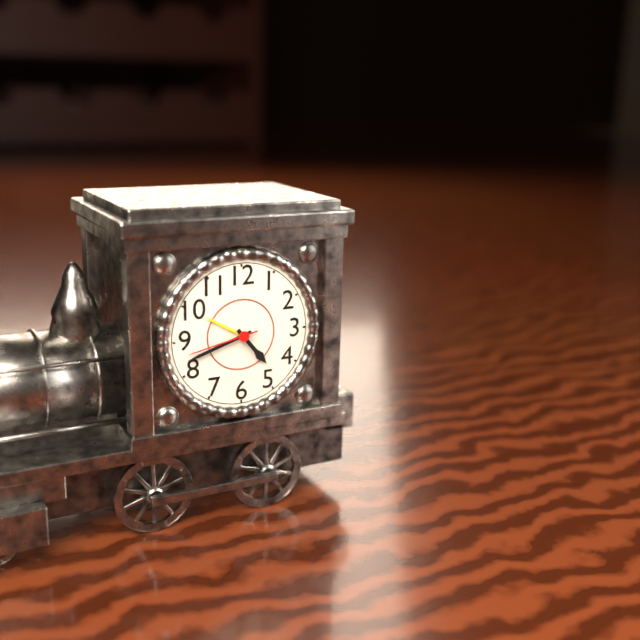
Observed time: 4:42:43
